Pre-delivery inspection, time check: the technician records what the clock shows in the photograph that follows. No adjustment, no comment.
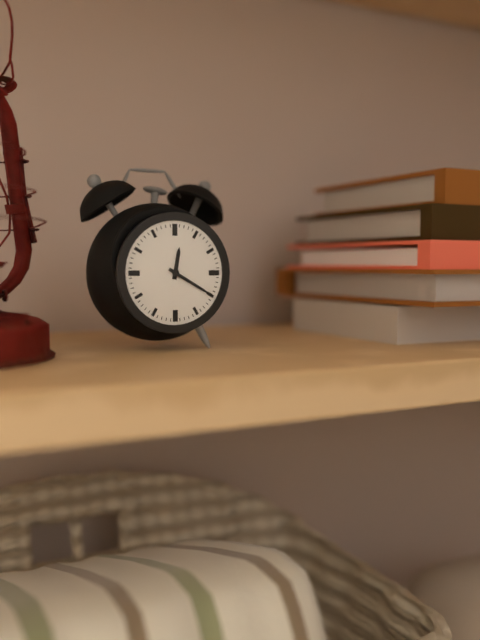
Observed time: 12:20
